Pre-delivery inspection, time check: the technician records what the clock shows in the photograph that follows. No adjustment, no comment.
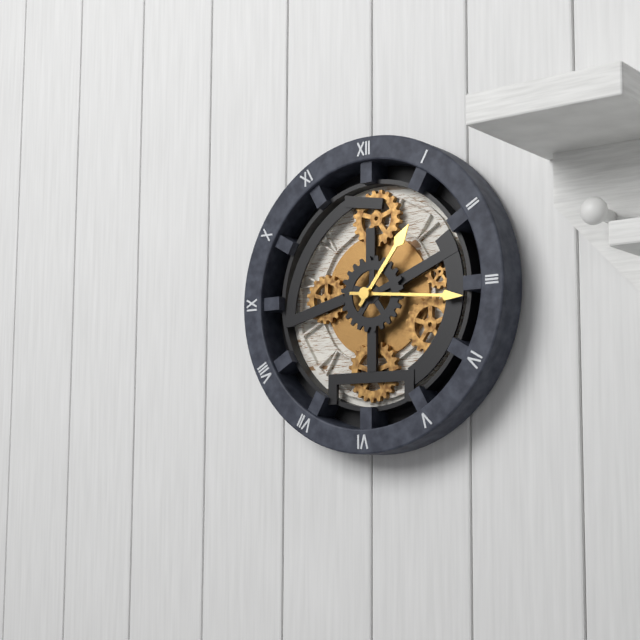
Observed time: 1:16
